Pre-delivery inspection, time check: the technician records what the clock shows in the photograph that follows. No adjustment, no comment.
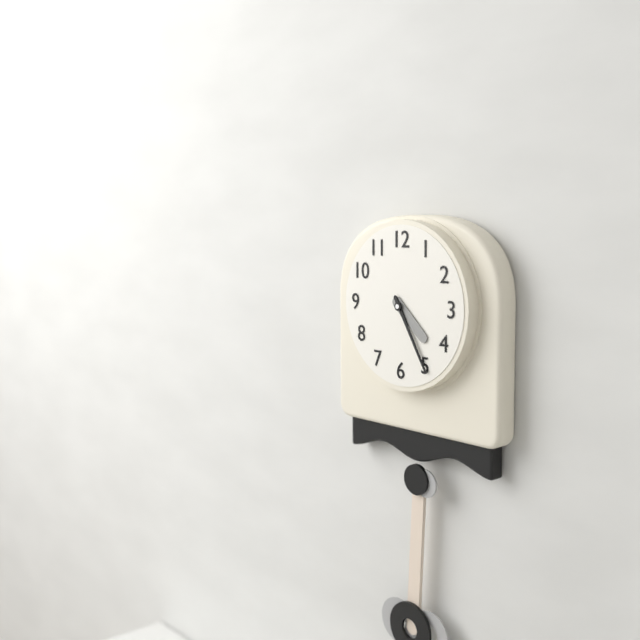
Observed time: 4:25
